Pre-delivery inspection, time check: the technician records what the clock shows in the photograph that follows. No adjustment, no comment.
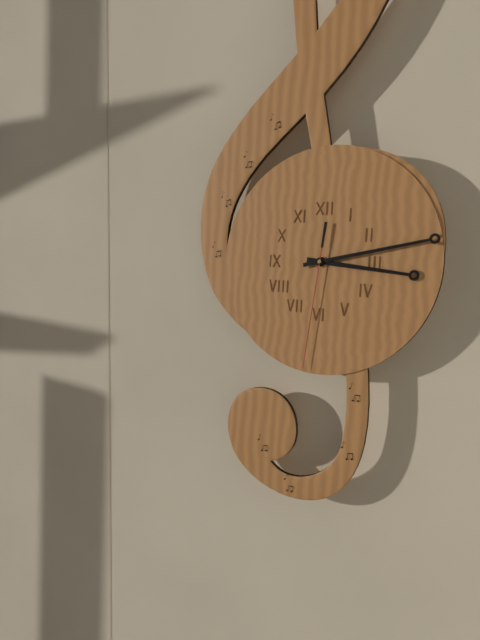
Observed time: 3:13:31
